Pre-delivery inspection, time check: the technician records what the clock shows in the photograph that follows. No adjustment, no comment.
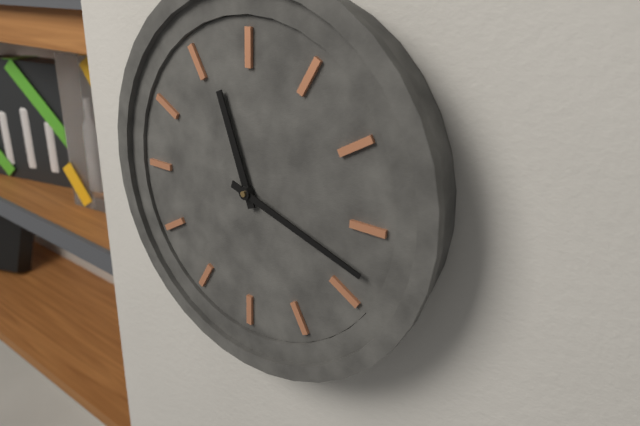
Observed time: 11:18
